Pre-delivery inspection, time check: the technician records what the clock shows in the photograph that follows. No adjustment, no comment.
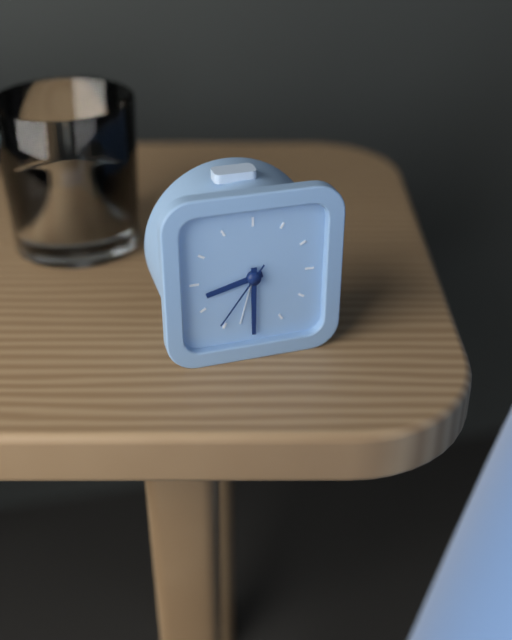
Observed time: 8:30:36
